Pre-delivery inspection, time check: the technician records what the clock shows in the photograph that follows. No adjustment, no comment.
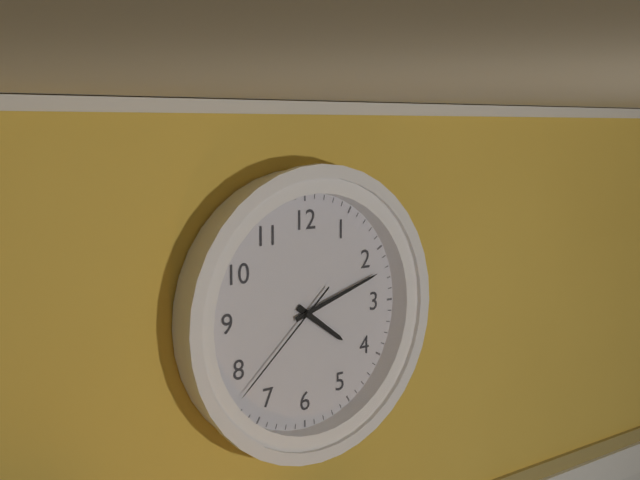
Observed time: 4:12:38
